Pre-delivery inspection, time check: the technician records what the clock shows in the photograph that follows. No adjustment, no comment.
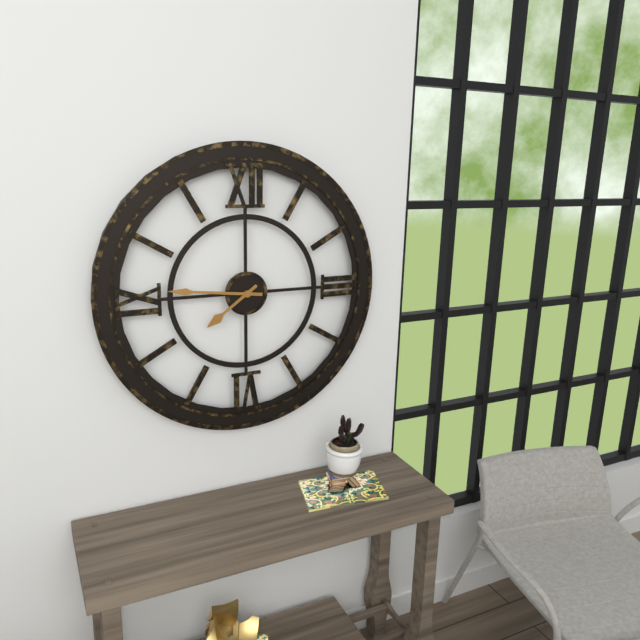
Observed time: 7:46
